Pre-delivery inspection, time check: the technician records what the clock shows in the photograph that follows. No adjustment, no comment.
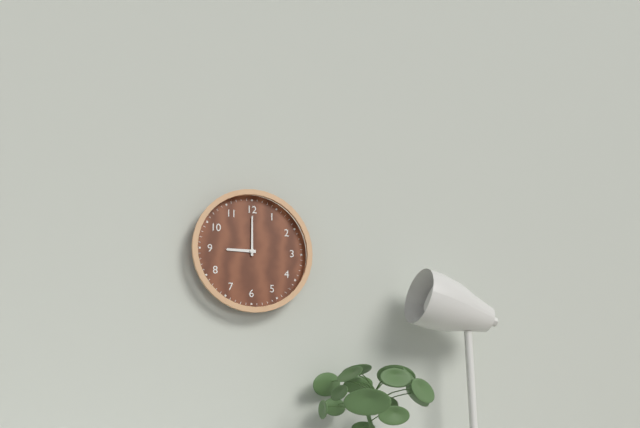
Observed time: 9:00
